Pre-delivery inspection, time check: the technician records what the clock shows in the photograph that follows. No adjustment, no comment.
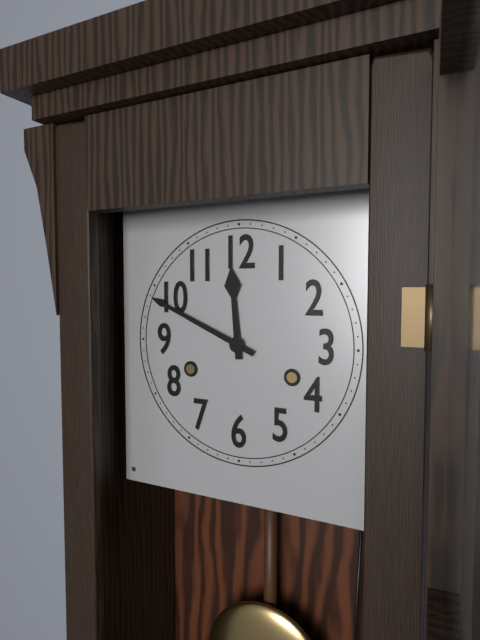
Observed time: 11:49
